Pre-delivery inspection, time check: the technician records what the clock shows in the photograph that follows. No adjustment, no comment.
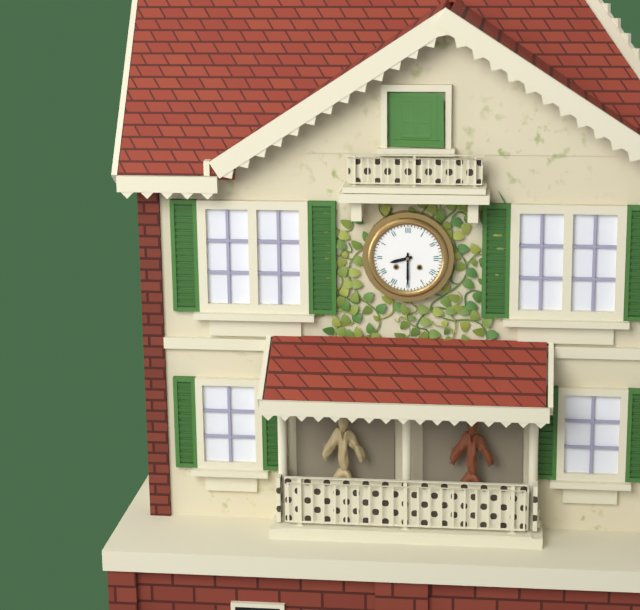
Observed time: 8:30
